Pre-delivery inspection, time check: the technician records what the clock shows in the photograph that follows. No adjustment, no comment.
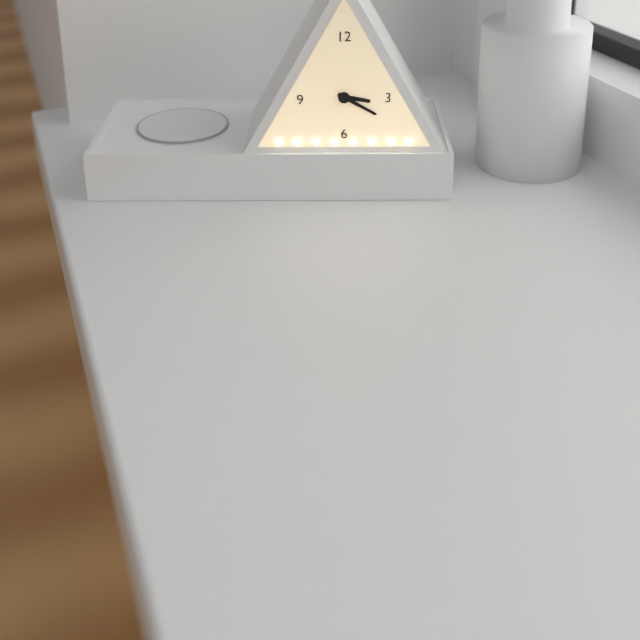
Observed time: 3:20
